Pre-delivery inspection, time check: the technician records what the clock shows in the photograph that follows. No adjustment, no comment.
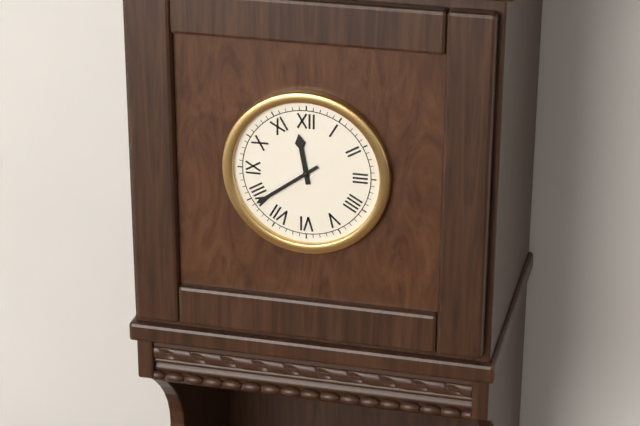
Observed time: 11:39
